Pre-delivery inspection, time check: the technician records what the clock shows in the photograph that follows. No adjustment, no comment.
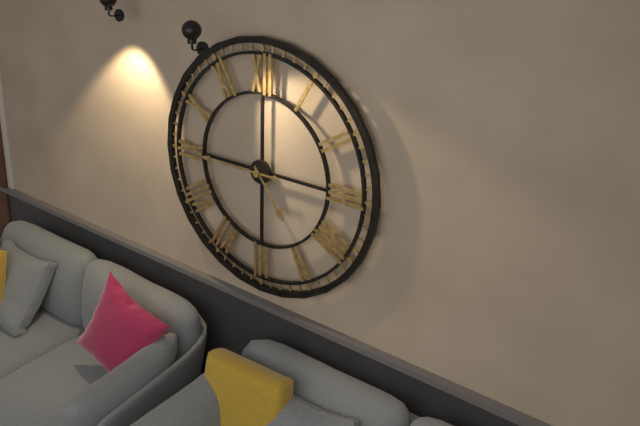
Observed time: 4:45
